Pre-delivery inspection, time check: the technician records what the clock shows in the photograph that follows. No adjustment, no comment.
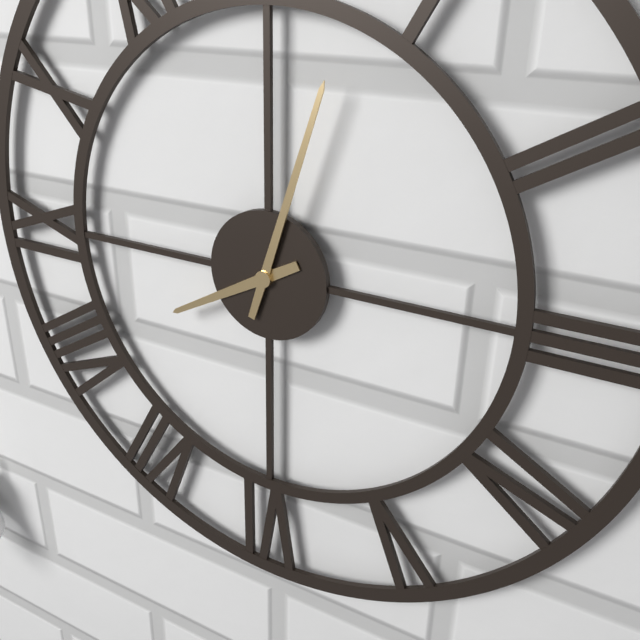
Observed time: 8:03
